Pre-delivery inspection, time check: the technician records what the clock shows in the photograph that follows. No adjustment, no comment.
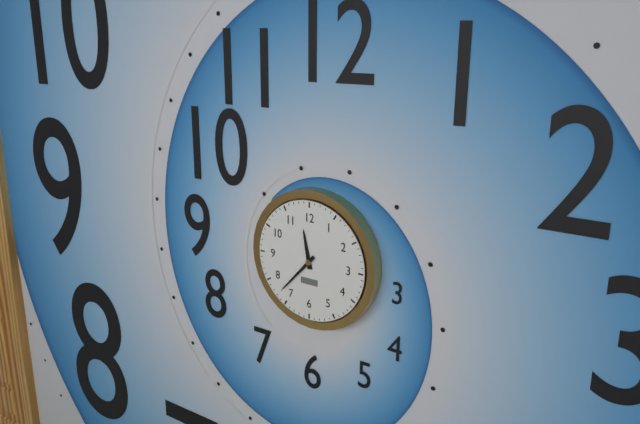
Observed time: 11:37
